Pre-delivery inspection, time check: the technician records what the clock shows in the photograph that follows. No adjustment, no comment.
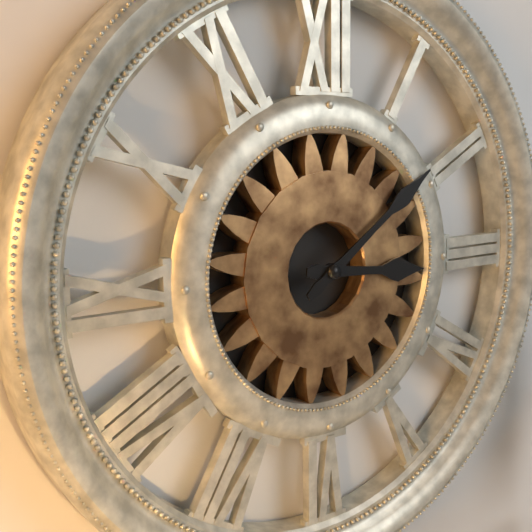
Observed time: 3:09
